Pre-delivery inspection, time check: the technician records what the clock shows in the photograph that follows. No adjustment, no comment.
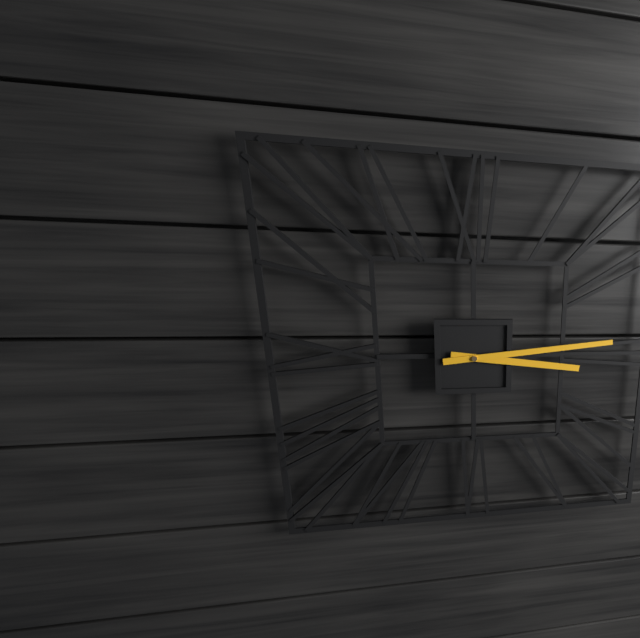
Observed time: 3:14
